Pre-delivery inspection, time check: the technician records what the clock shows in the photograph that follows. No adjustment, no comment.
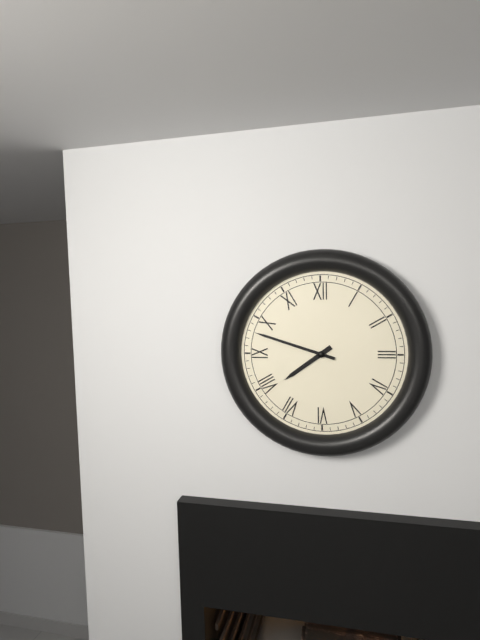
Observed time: 7:48
